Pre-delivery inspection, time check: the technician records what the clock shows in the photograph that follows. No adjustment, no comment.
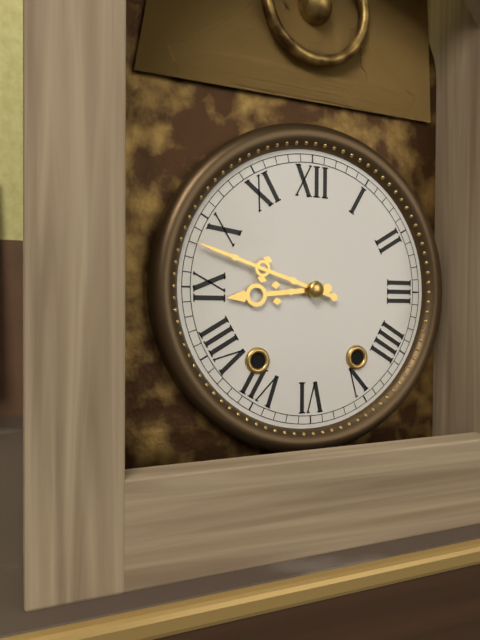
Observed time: 8:48
